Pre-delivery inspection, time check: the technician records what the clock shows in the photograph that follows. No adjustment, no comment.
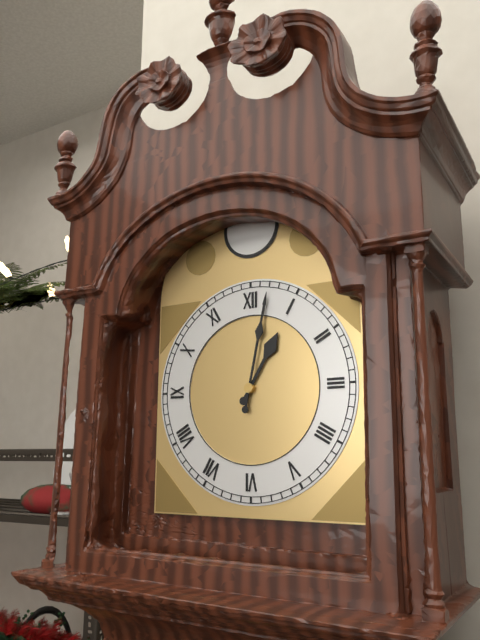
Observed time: 1:02
